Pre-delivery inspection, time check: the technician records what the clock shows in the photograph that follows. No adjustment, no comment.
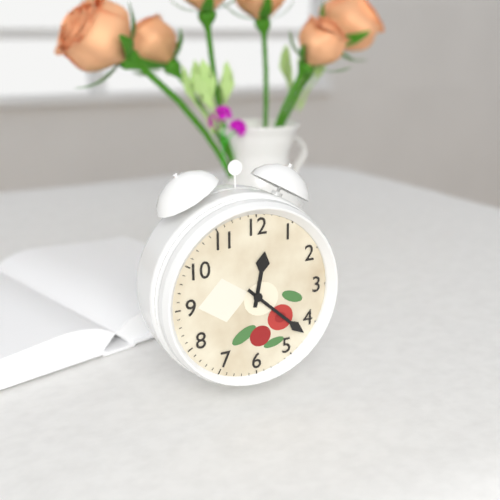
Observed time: 12:22
